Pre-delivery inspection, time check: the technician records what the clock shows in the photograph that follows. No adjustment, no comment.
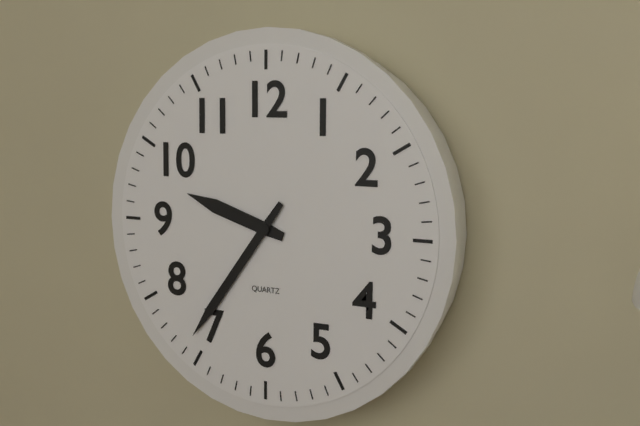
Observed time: 9:36
